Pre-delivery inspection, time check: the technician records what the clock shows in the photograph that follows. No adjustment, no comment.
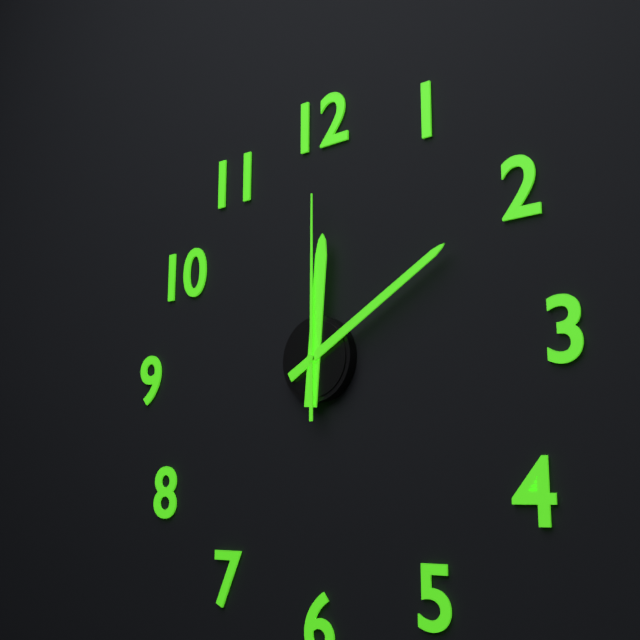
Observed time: 12:10:00
